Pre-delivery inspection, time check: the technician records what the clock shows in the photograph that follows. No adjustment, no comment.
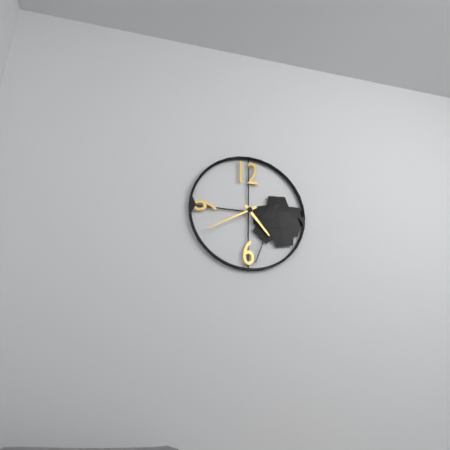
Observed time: 4:40
